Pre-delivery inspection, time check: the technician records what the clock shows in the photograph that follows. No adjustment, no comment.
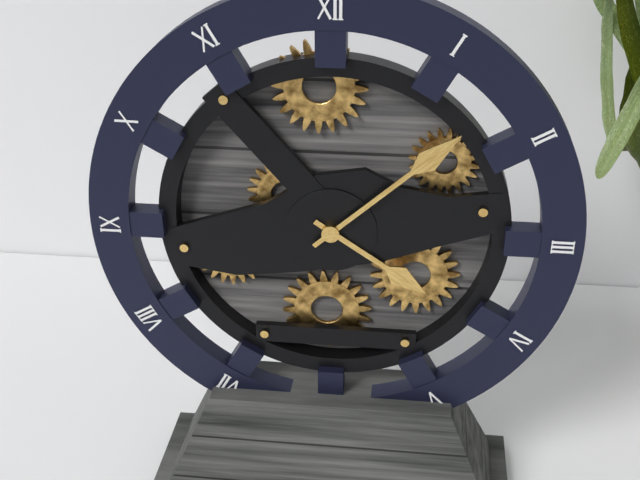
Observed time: 4:08
